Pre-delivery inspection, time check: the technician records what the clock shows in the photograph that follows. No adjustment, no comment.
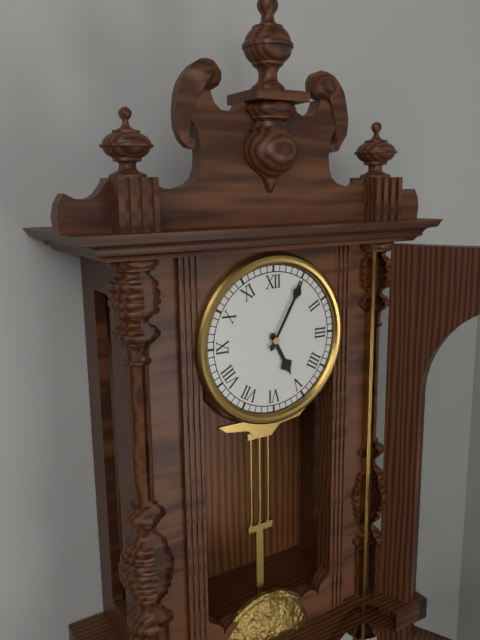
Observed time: 5:05
